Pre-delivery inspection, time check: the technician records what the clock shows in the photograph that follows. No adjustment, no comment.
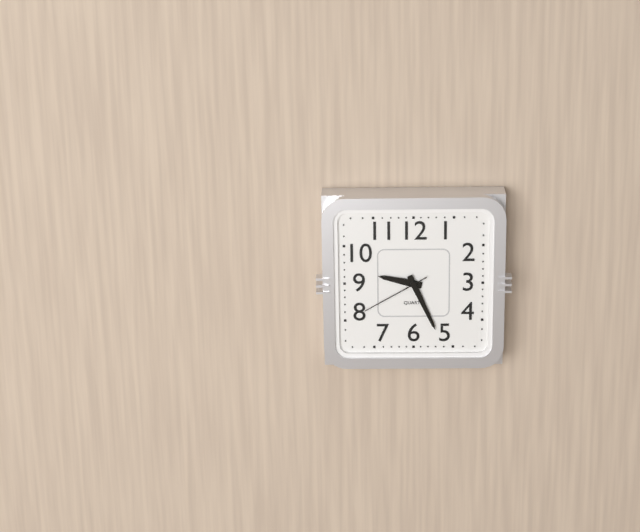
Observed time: 9:26:40
